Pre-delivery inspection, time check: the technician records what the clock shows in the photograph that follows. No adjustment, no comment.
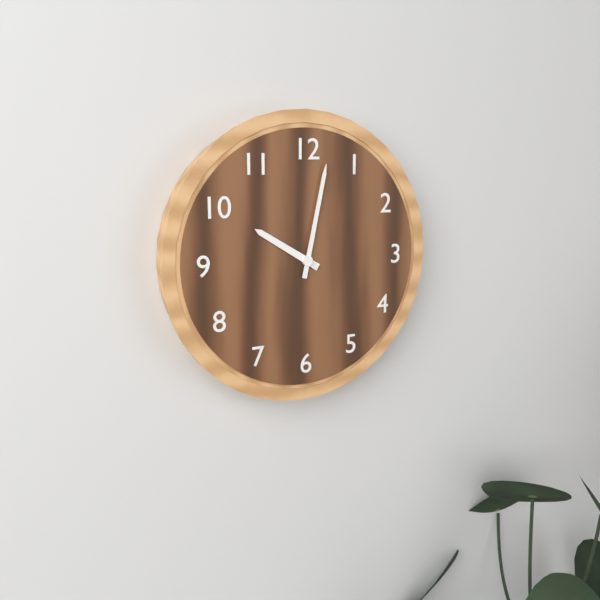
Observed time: 10:02
